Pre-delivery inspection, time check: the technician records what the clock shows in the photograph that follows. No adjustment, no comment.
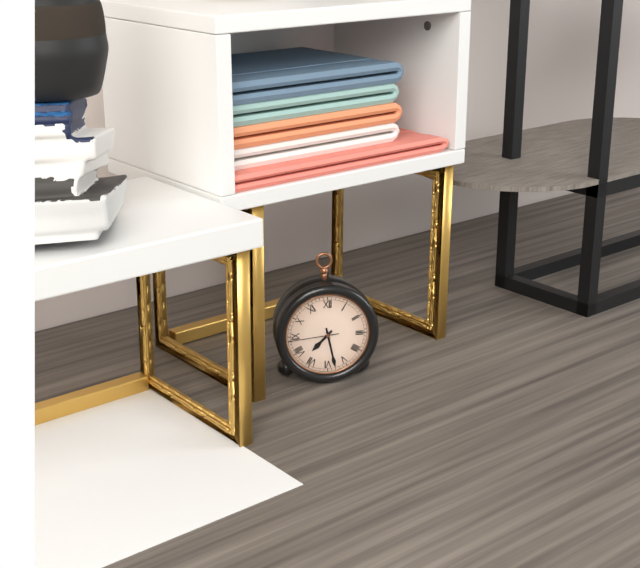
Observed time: 7:28:44
